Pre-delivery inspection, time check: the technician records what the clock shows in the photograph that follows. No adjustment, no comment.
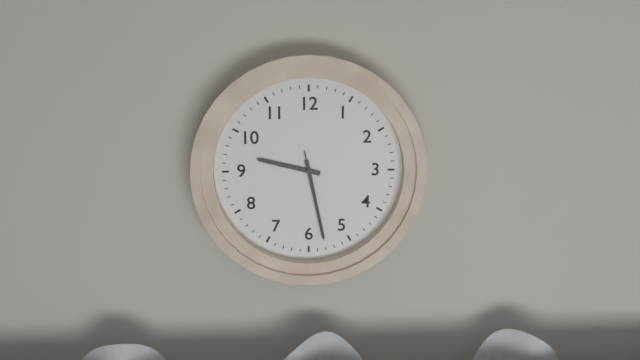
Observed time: 9:28:28
